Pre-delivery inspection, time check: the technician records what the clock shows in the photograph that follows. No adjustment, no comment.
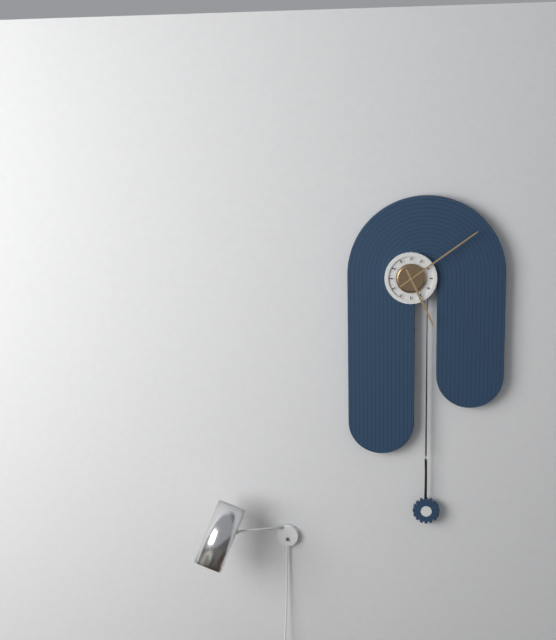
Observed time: 5:09
